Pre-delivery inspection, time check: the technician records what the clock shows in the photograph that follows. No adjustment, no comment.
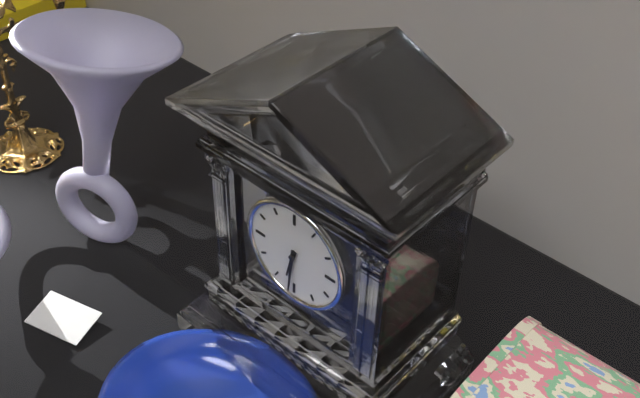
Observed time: 6:31
